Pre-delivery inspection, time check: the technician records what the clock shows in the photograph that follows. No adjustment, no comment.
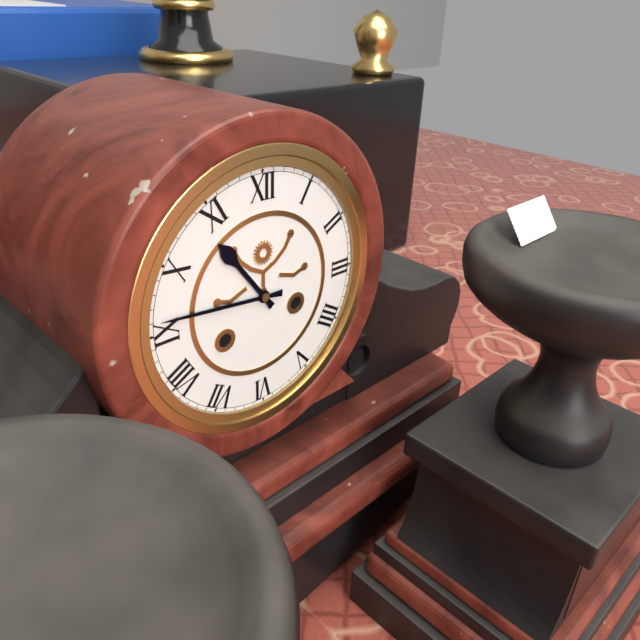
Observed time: 10:46
